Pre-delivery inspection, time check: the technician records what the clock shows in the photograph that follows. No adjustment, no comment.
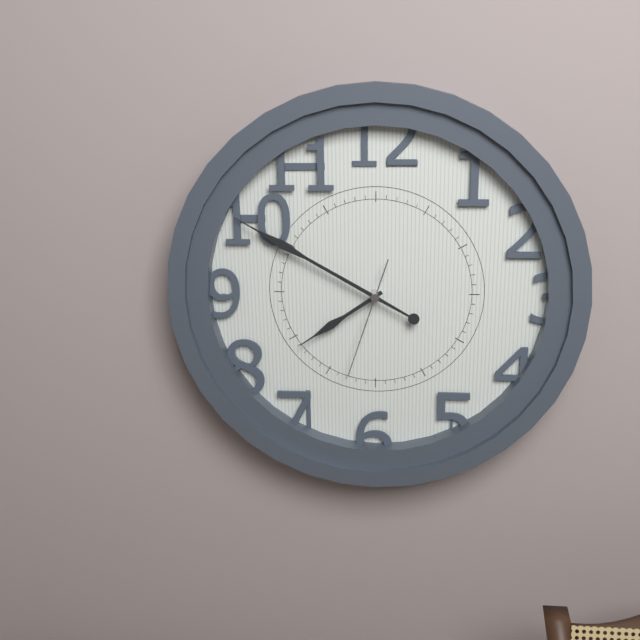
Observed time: 7:50:33
